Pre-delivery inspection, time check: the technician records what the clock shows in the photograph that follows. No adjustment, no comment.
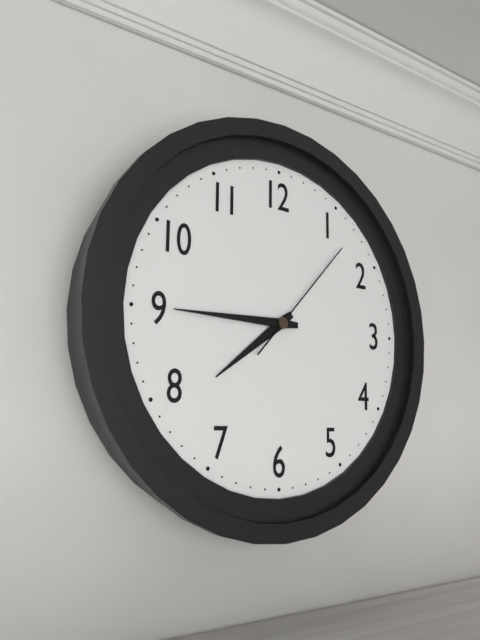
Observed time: 7:45:07
